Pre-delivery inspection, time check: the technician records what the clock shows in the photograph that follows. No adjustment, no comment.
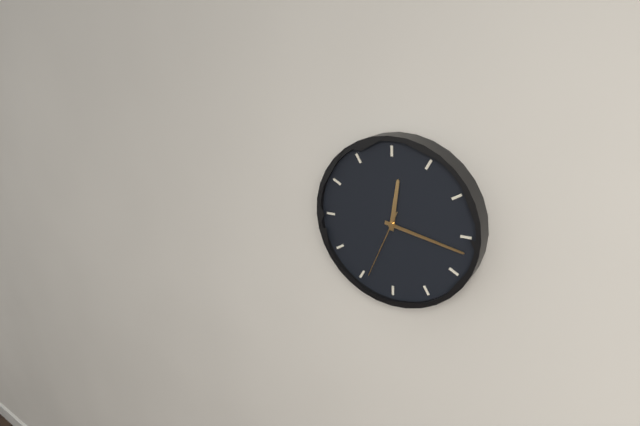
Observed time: 12:17:34
